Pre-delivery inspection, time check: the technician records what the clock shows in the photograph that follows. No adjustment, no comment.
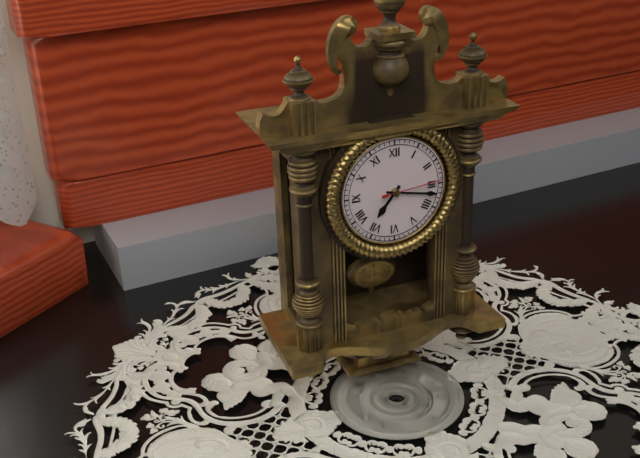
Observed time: 7:17:14
